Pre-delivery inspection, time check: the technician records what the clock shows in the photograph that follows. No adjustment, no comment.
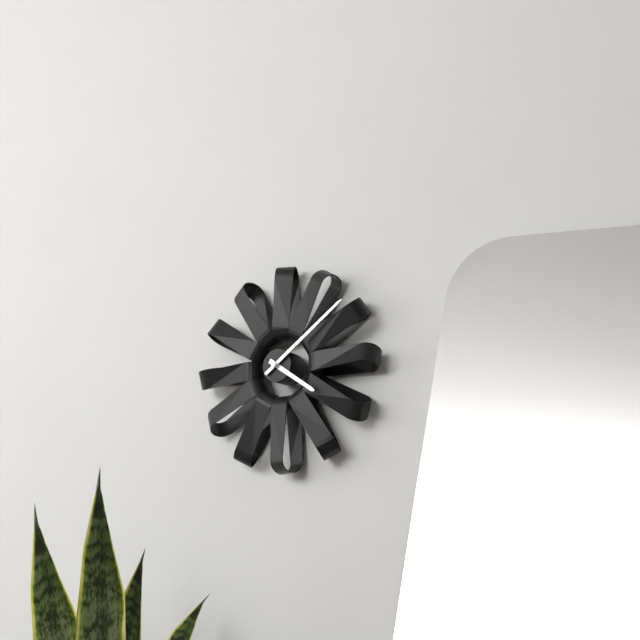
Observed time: 4:09
